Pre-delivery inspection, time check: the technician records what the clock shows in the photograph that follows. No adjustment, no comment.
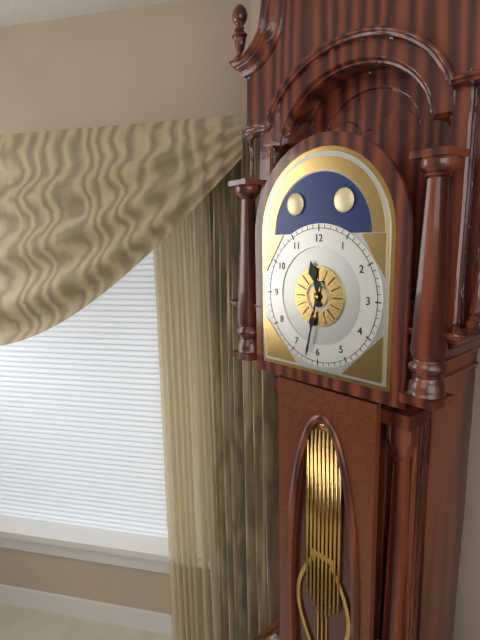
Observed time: 11:32
